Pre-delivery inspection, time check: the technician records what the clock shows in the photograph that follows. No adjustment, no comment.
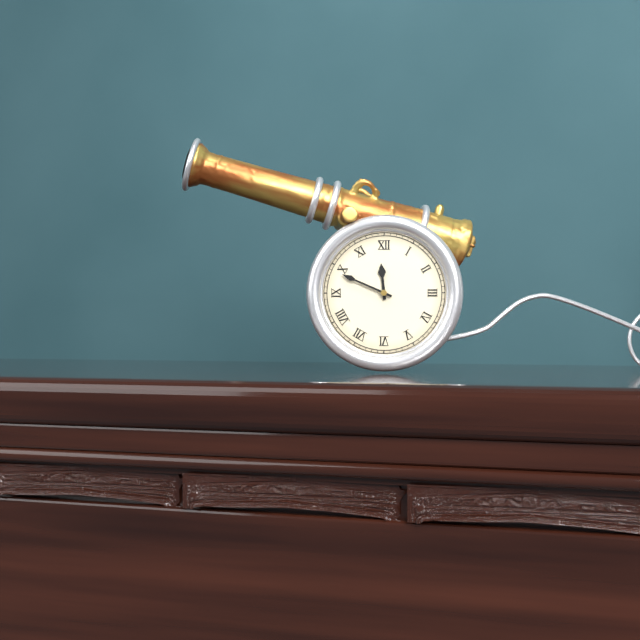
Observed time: 11:49
